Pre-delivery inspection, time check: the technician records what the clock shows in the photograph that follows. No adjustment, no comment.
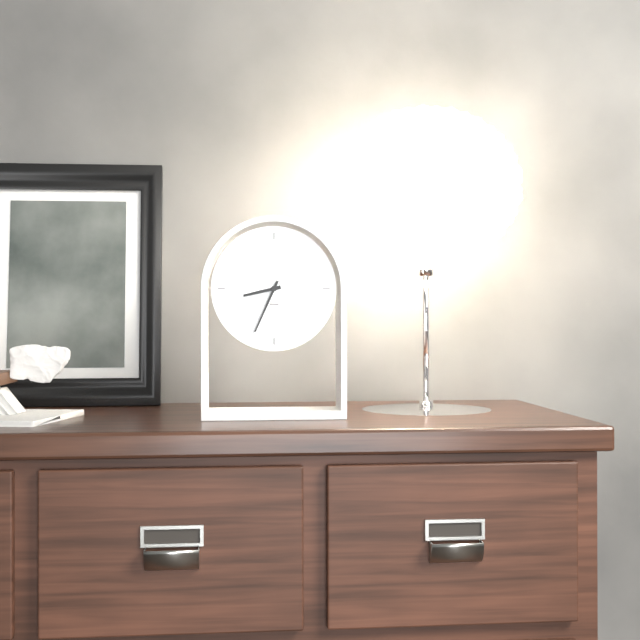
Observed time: 8:34
